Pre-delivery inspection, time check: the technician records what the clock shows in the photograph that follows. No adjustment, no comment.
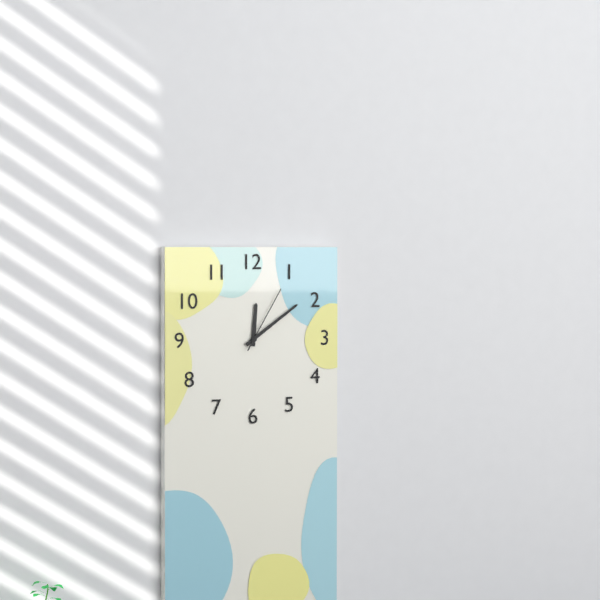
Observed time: 12:09:05
